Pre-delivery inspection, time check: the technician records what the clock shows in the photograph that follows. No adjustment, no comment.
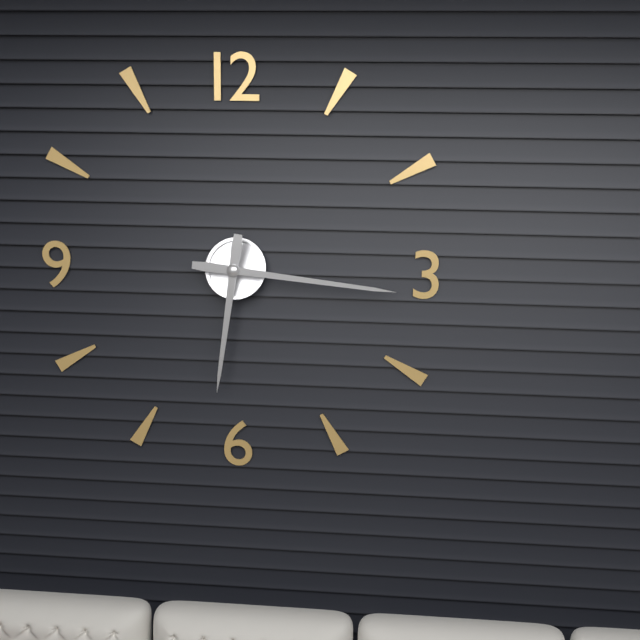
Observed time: 6:16
